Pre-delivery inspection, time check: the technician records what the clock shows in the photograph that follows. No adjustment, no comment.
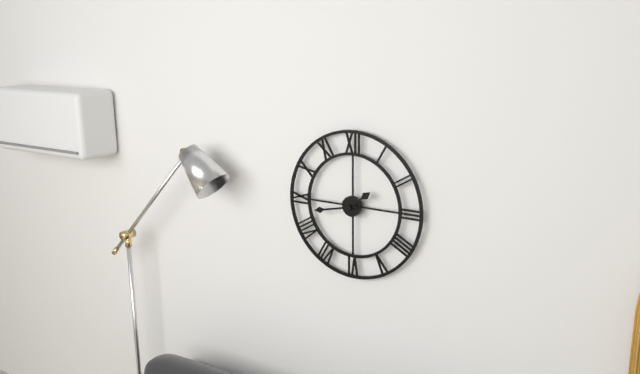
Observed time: 1:43
